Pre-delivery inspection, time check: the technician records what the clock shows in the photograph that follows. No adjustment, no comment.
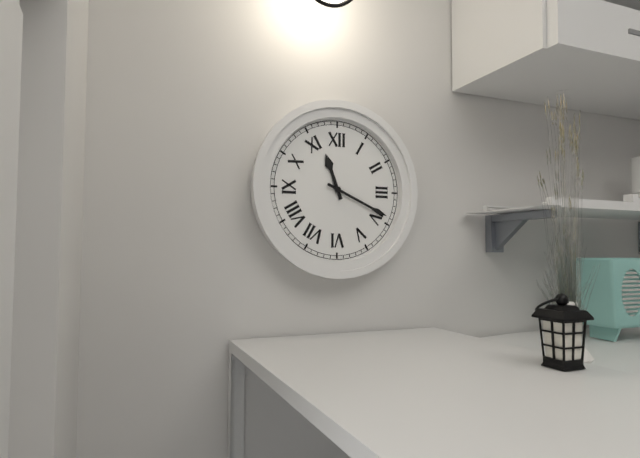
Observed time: 11:19
